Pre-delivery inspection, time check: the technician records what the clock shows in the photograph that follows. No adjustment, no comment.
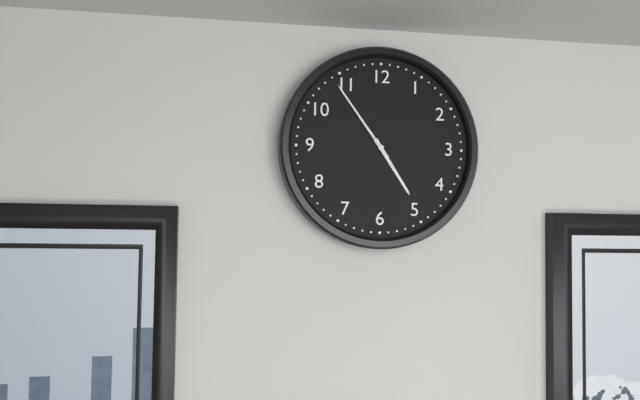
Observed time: 4:54
